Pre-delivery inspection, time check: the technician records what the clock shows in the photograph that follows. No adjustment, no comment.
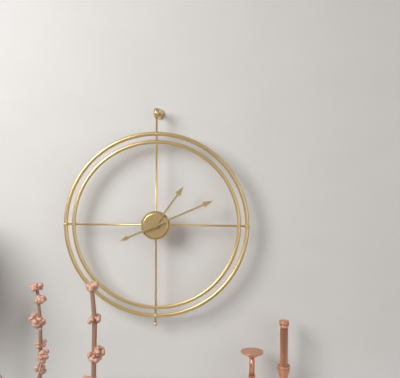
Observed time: 1:11
